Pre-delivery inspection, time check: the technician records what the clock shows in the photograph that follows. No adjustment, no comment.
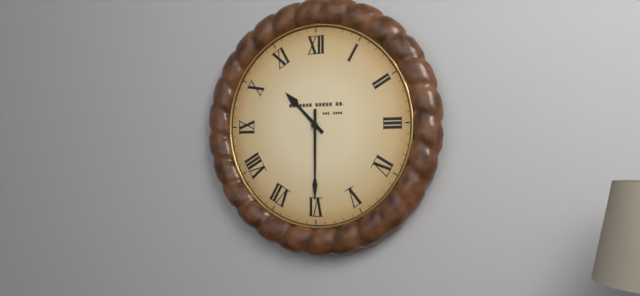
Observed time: 10:30
